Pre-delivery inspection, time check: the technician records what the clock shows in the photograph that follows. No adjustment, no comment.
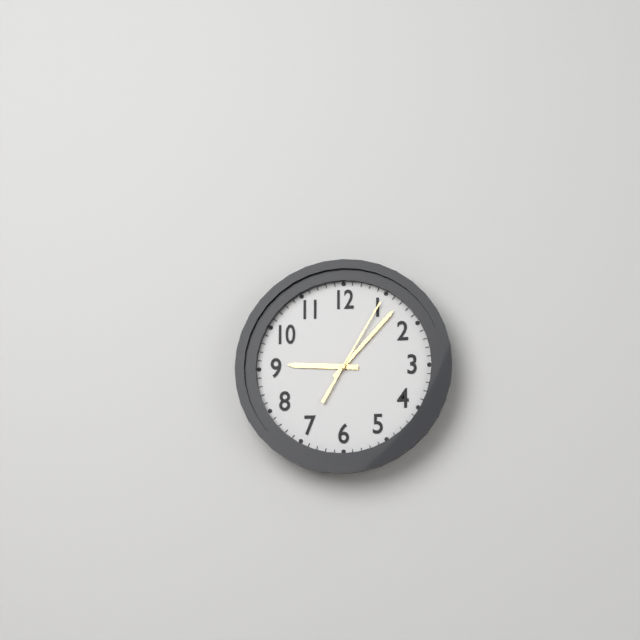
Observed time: 9:07:05
